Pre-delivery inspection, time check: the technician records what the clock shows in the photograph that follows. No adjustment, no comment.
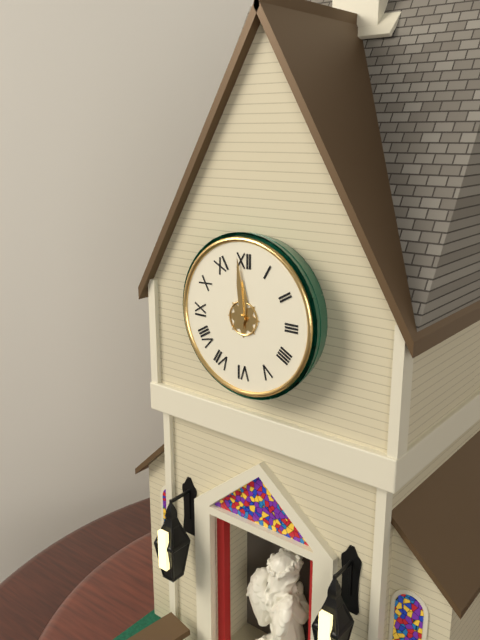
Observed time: 11:59
